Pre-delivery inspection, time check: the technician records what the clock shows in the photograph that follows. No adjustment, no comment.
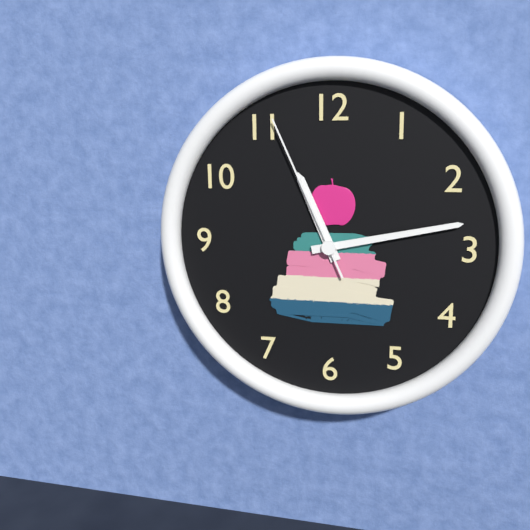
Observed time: 11:13:56
